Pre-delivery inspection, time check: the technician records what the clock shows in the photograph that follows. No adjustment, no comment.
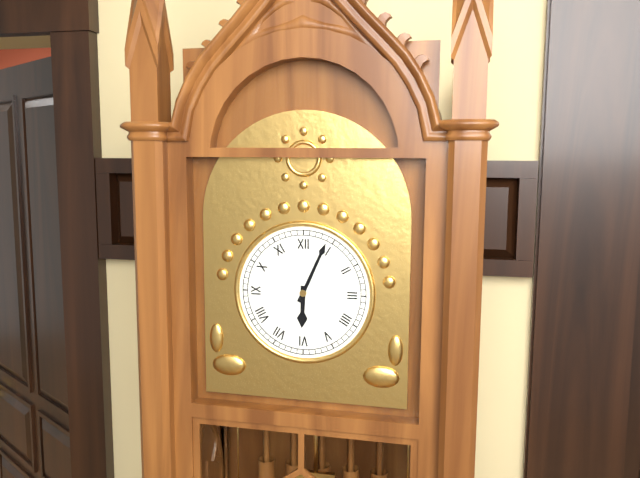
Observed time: 6:04
